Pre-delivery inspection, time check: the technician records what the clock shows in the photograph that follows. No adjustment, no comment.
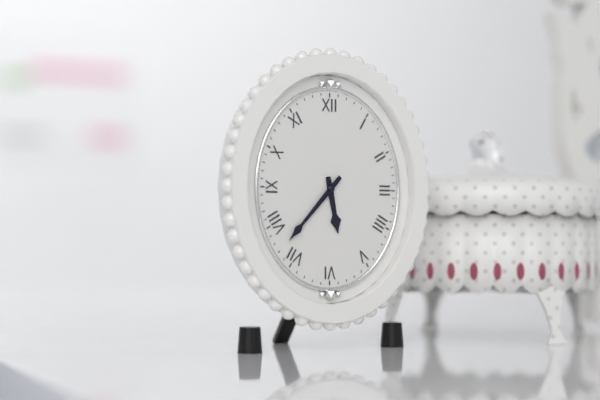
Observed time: 5:37
